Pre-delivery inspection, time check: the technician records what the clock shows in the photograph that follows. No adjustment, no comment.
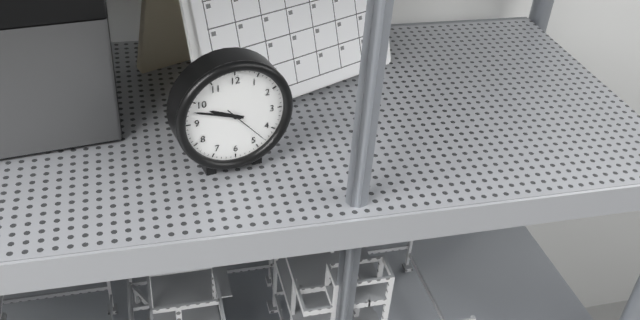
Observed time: 9:48
